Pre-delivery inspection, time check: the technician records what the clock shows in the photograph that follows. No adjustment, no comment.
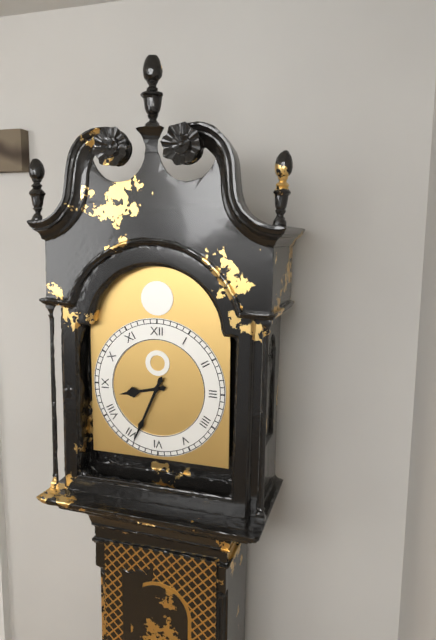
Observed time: 8:34
